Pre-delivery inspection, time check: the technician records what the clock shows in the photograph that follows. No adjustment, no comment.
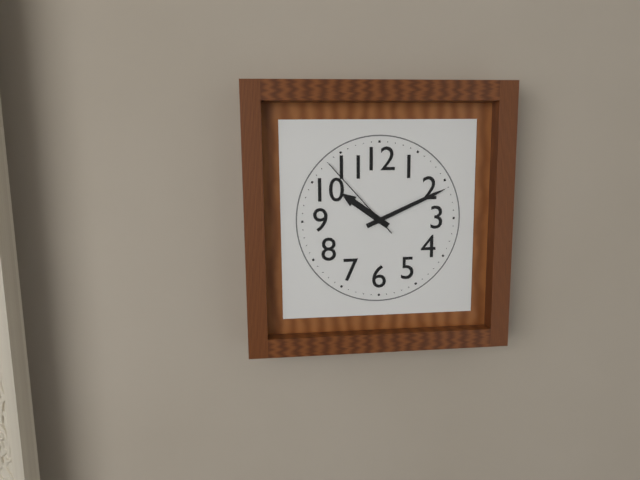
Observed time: 10:11:53
